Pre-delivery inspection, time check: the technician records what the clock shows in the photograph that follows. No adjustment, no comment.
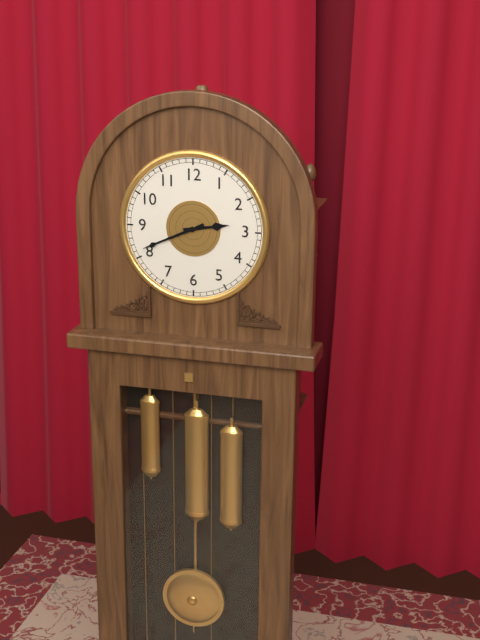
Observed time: 2:41
